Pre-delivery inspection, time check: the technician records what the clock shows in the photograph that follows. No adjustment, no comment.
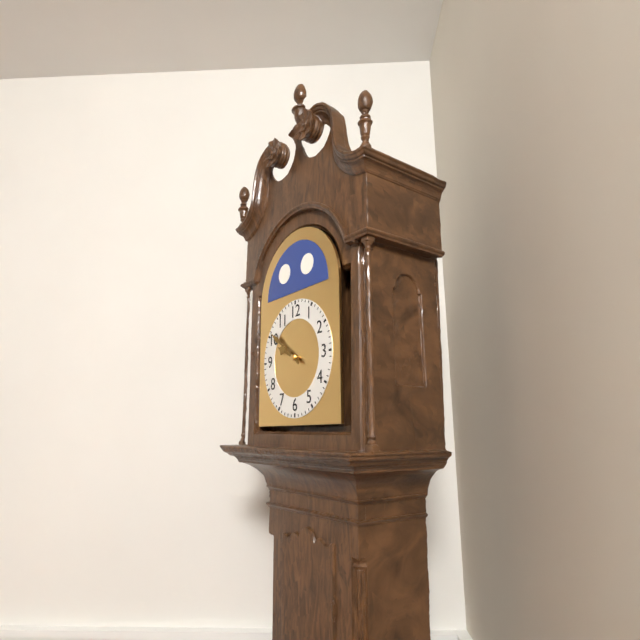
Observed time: 9:51
